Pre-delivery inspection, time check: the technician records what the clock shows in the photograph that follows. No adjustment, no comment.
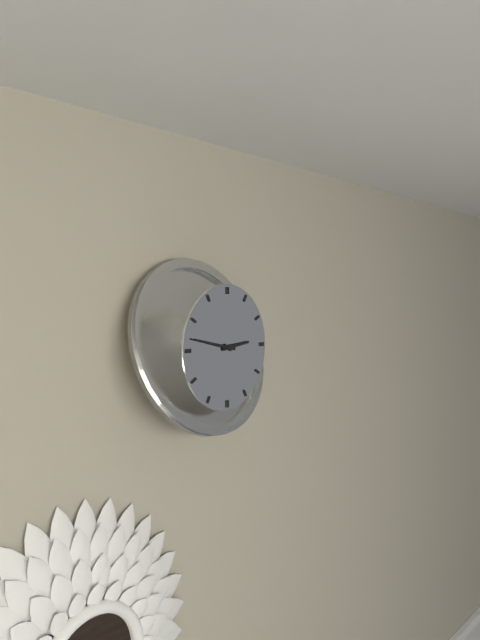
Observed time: 2:47
